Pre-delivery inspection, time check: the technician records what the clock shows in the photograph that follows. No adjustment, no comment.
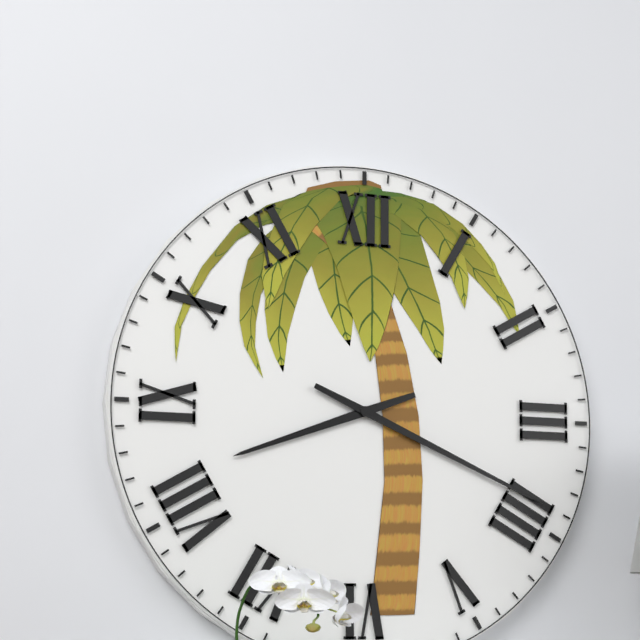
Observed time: 8:19
